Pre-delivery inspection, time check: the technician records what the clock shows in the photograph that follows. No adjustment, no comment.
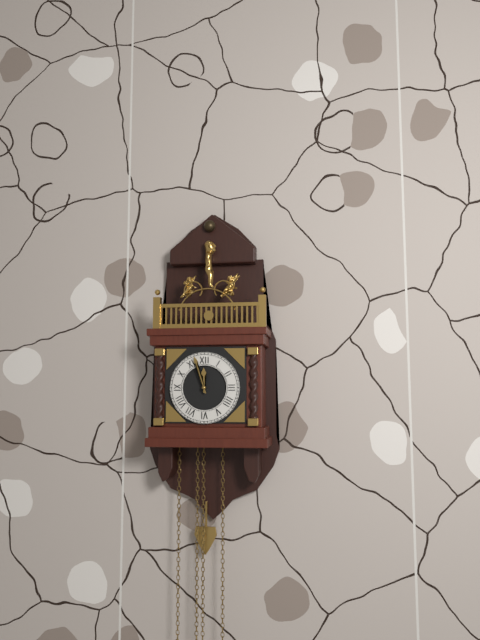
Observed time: 11:57
